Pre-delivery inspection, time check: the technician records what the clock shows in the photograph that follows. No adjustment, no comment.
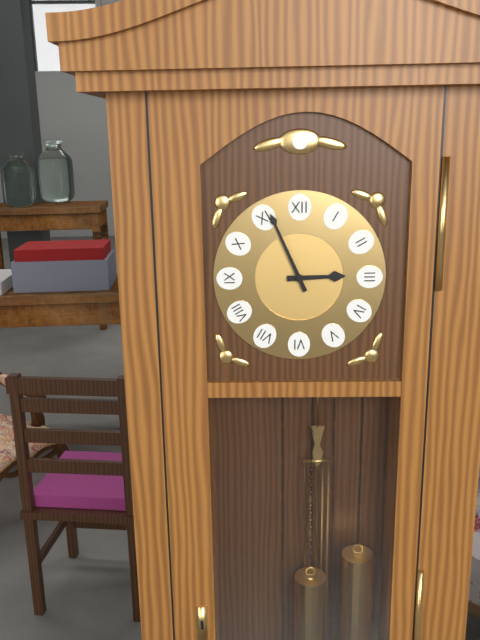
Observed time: 2:56
